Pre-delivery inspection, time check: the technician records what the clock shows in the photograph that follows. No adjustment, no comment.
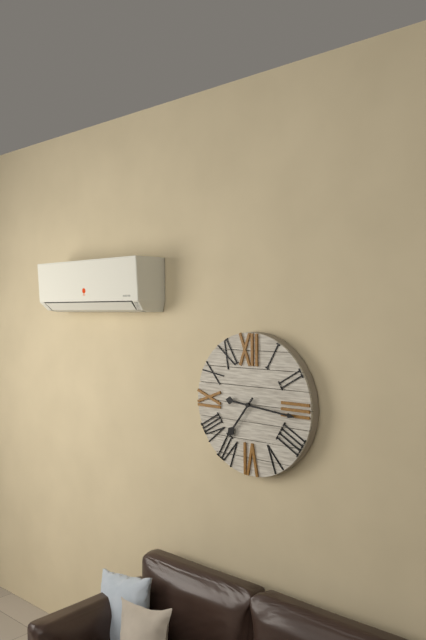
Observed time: 7:16
